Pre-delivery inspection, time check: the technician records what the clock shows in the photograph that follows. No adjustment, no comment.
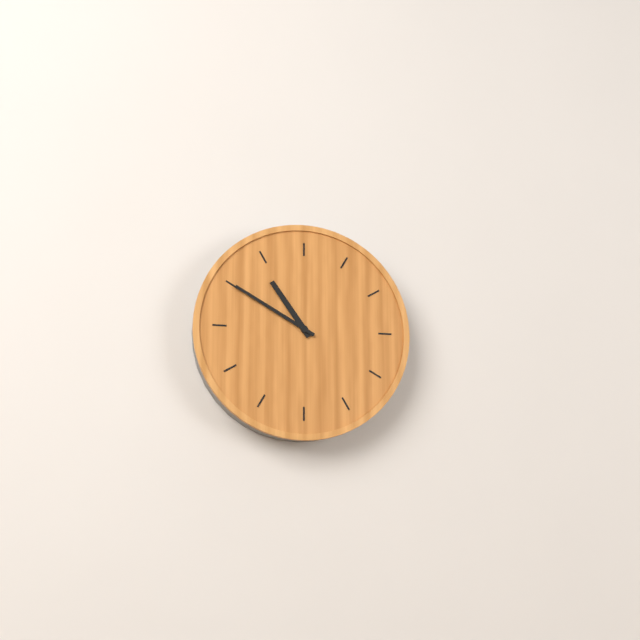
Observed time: 10:50
